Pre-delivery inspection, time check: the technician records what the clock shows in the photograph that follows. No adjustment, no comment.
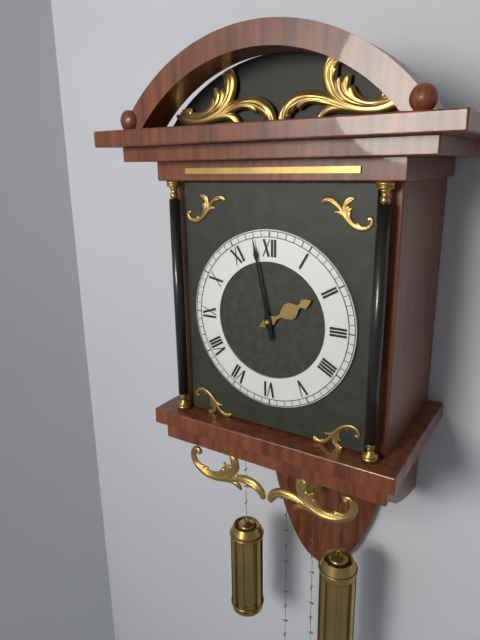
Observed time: 1:58
